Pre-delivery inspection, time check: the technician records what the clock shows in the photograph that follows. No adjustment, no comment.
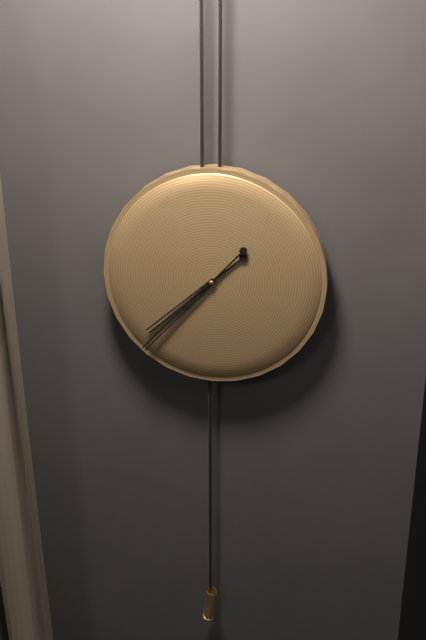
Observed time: 7:37
